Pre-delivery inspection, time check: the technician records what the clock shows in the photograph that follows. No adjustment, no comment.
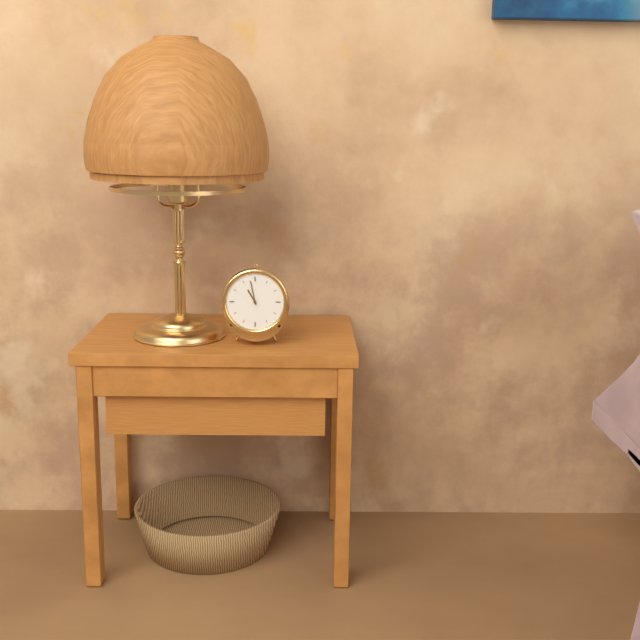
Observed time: 10:58
